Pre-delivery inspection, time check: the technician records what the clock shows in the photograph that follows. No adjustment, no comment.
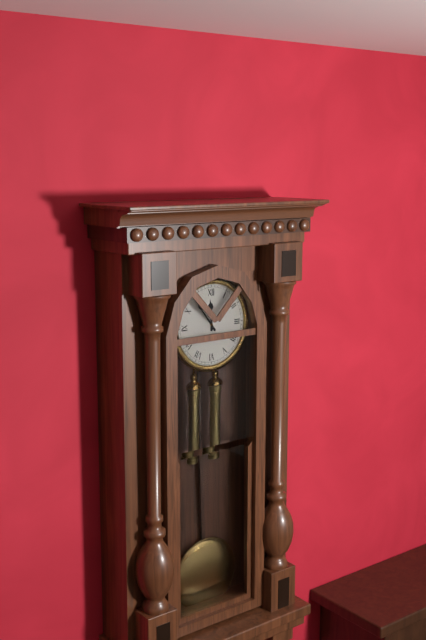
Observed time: 11:54
